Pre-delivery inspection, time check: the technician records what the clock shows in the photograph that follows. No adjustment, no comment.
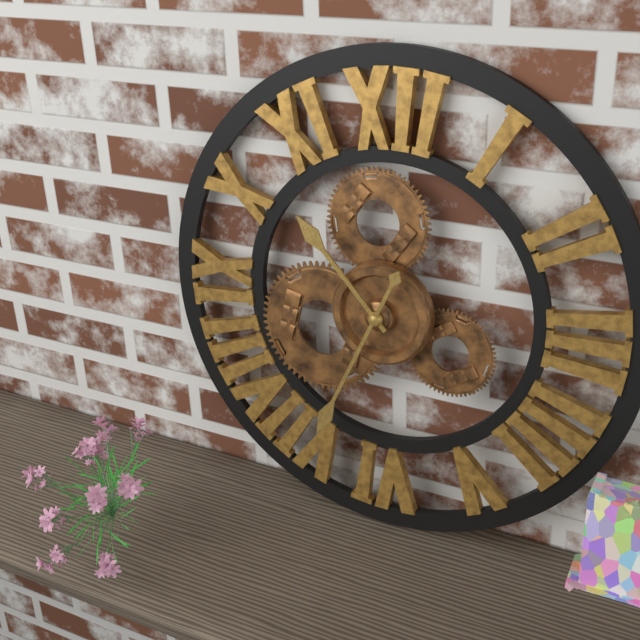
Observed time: 10:34
